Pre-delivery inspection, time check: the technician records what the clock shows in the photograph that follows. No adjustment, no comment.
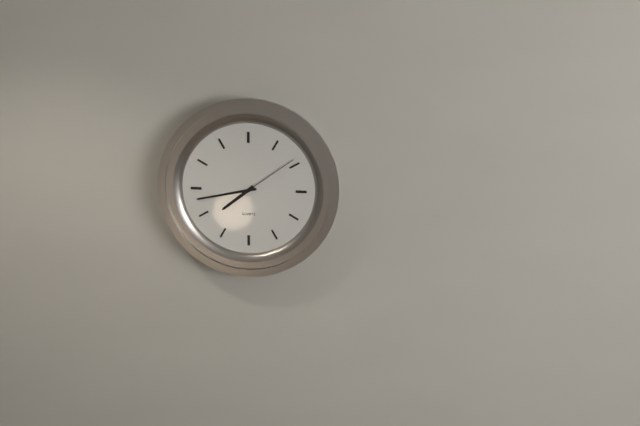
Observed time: 7:43:09
